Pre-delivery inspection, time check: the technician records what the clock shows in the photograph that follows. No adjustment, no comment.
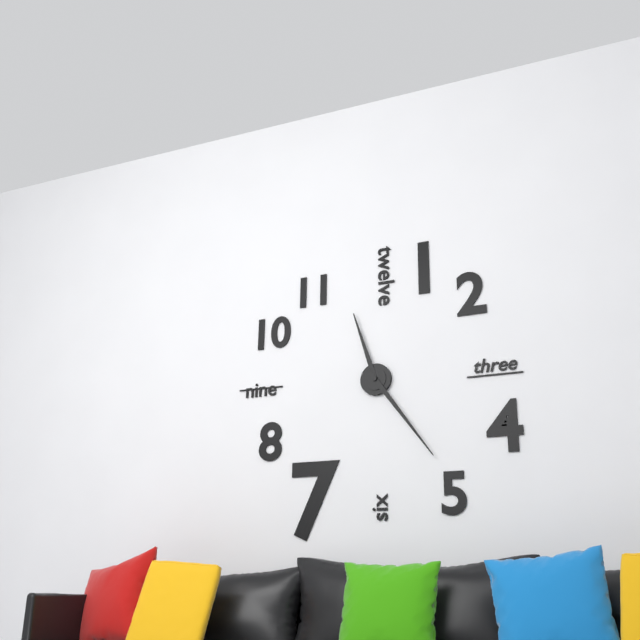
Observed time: 11:24
